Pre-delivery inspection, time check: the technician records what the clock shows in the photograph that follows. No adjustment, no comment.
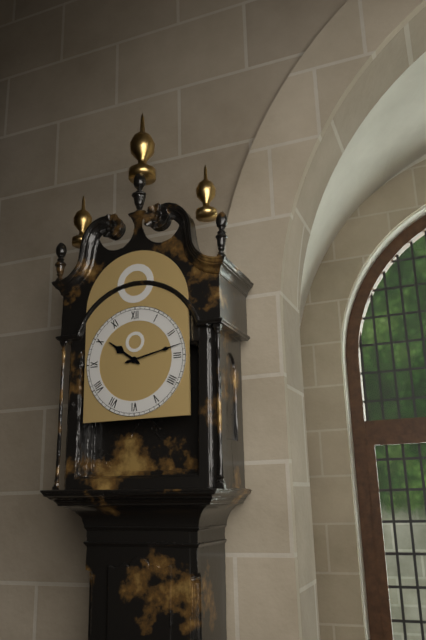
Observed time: 10:13
